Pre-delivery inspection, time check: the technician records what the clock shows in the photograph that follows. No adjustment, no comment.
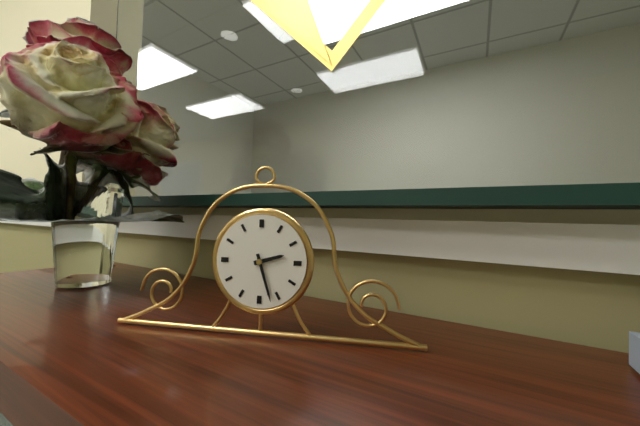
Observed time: 2:27
